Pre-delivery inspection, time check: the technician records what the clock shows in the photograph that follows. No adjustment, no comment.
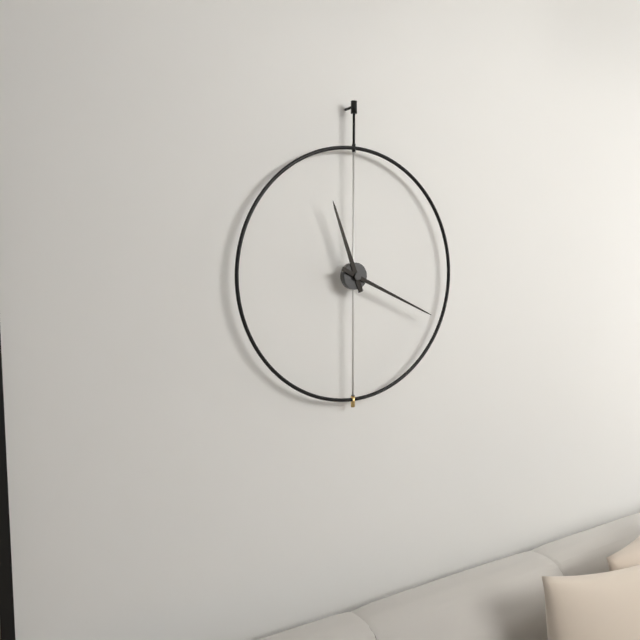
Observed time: 11:19
